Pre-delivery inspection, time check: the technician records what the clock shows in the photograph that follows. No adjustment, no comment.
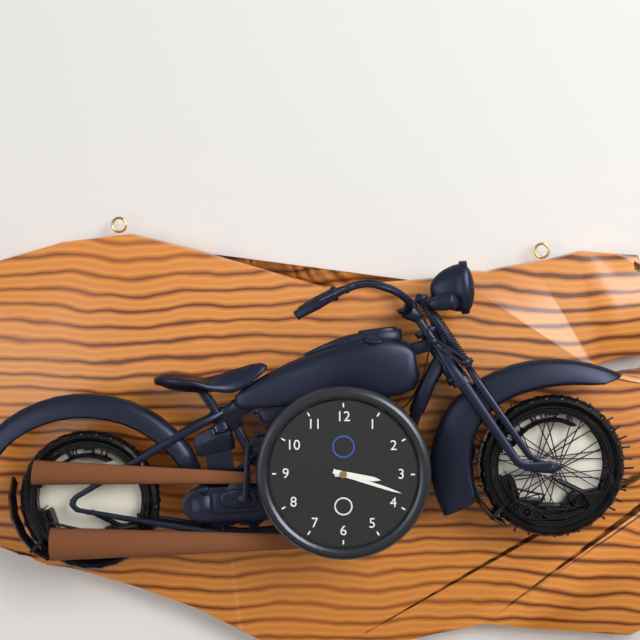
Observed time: 3:18
